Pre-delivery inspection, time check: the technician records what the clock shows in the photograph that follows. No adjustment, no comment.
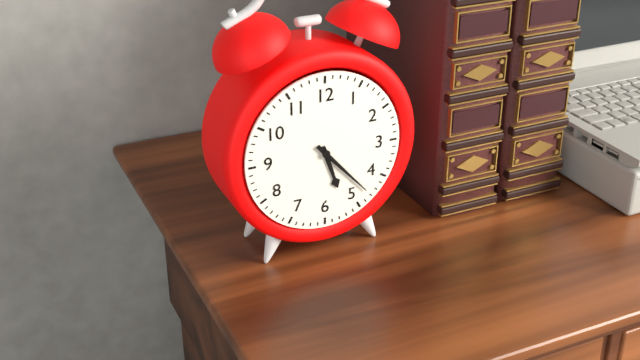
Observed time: 5:23
